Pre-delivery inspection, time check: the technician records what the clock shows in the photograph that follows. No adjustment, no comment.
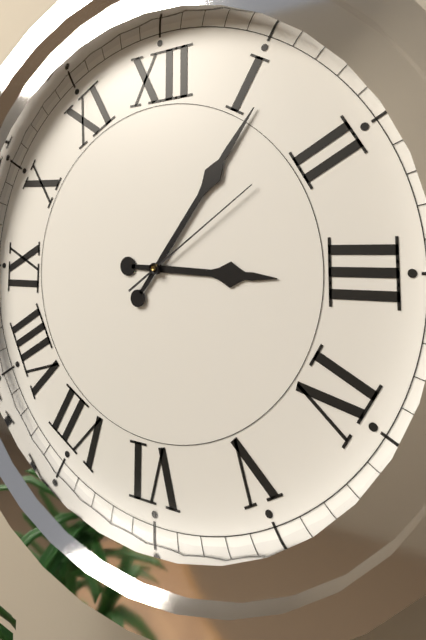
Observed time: 3:06:09
